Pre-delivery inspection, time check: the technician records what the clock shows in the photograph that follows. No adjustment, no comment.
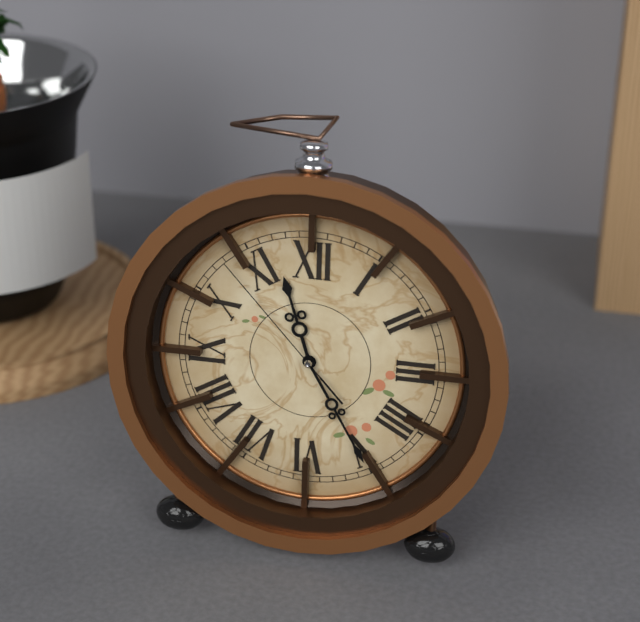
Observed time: 11:25:53
